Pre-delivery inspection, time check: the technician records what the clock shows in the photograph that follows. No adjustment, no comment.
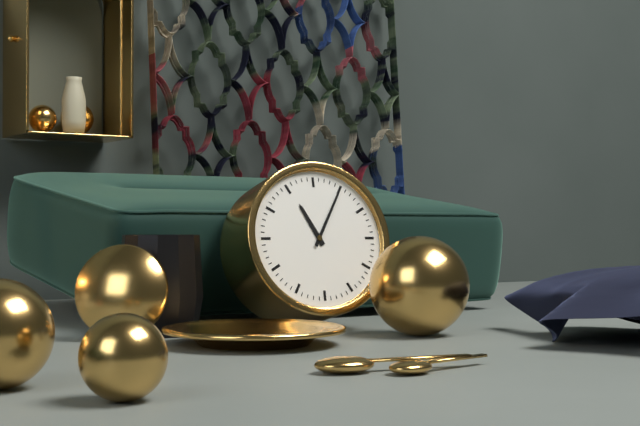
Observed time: 11:05
